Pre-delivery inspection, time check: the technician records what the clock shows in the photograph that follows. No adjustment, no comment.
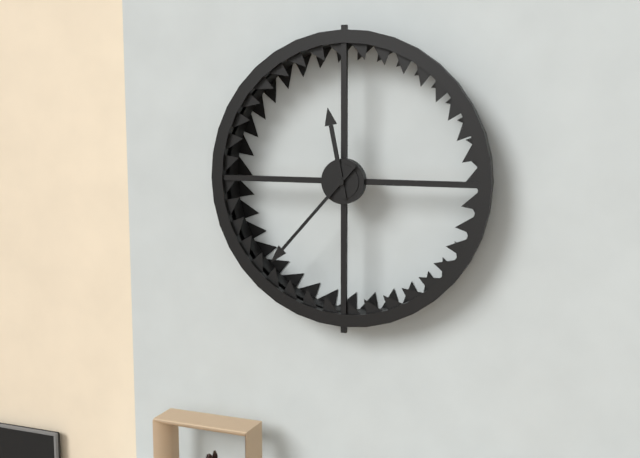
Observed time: 11:37
